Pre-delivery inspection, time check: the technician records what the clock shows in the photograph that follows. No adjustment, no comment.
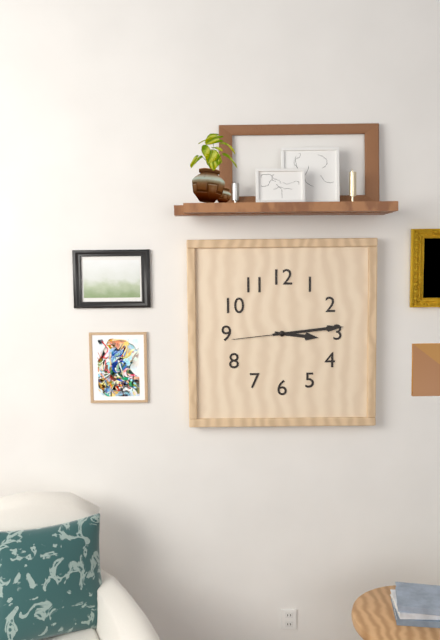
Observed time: 3:14:44
